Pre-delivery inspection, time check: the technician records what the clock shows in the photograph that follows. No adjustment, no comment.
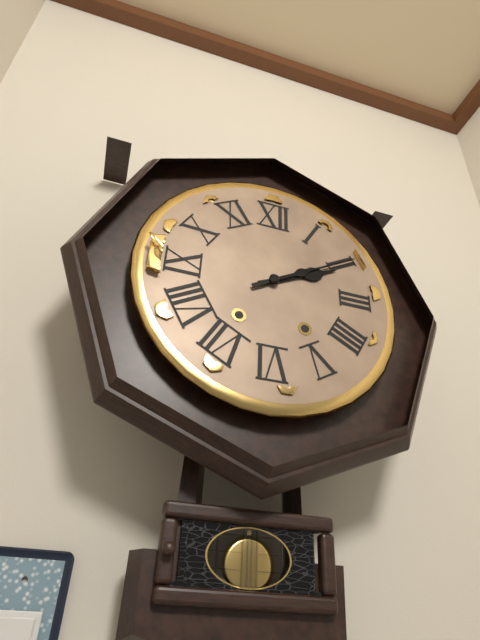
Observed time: 2:10
